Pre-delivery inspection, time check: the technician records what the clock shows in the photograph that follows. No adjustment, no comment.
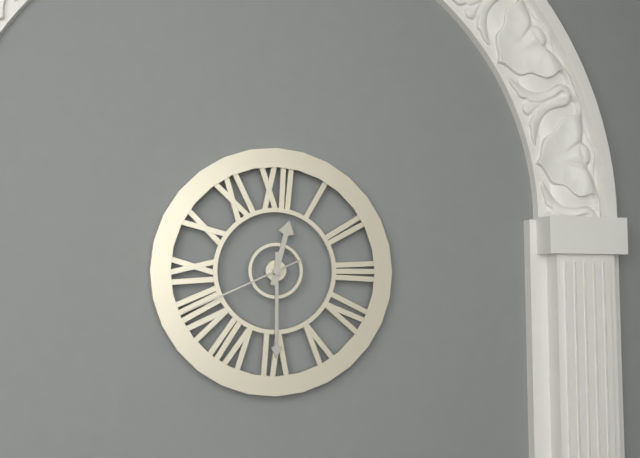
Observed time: 12:30:41
